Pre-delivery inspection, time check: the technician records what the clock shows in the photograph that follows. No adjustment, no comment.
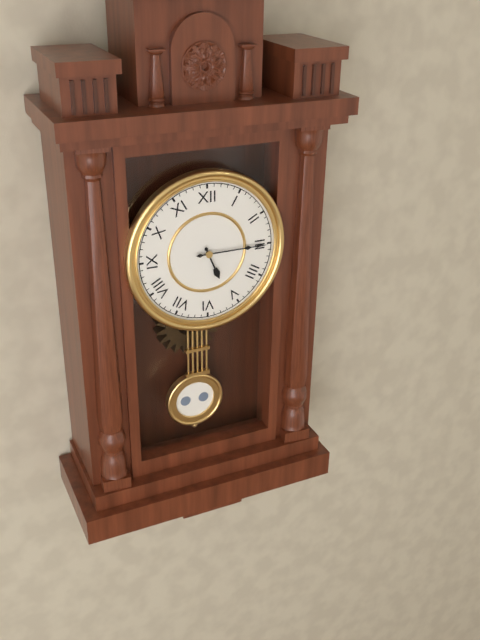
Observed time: 5:15
